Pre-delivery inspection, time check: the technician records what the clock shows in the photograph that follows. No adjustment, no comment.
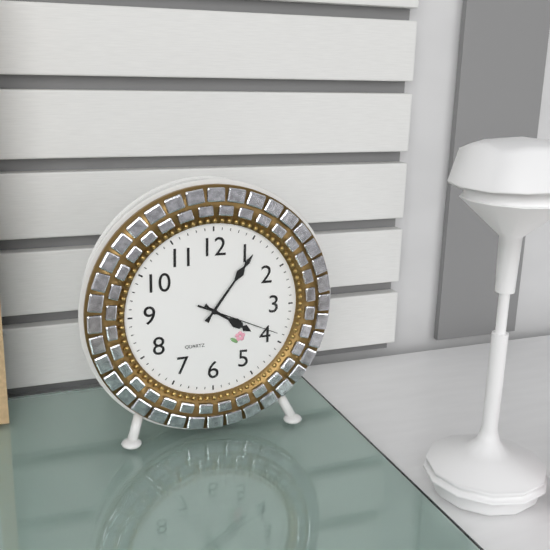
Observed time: 4:06:19
